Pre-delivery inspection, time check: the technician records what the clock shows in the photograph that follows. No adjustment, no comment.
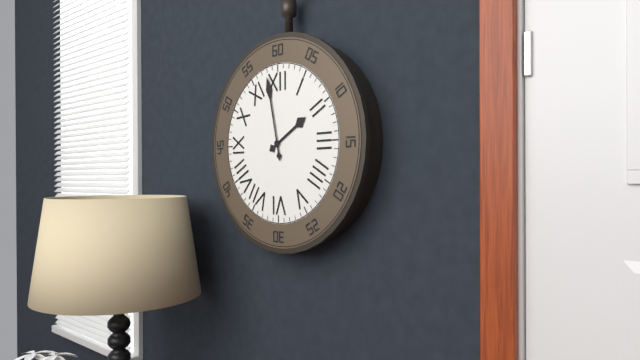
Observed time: 1:58
